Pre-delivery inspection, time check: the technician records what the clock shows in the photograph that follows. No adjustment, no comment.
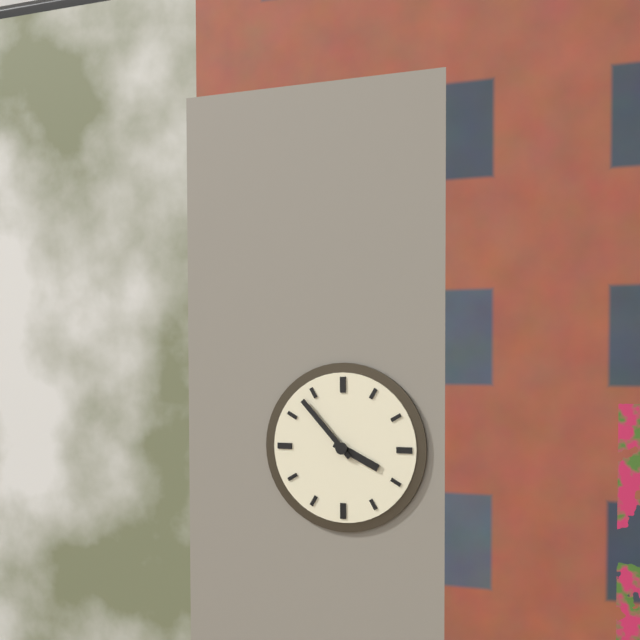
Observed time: 3:53
